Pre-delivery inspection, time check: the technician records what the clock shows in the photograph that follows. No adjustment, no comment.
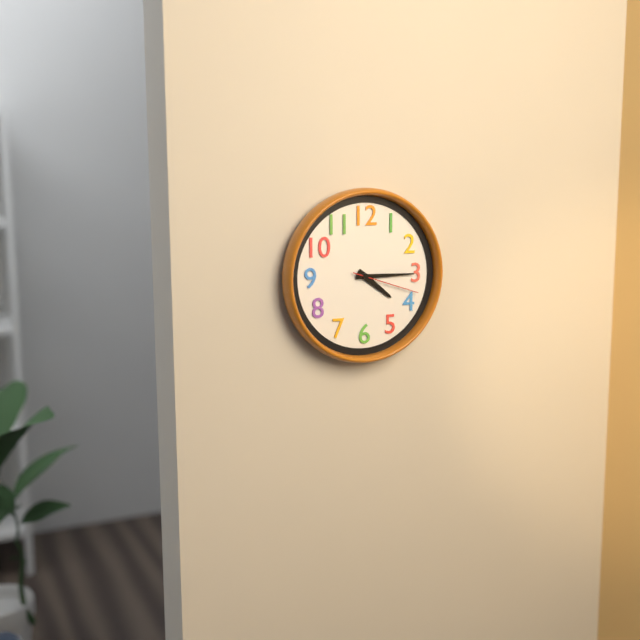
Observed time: 4:15:18
